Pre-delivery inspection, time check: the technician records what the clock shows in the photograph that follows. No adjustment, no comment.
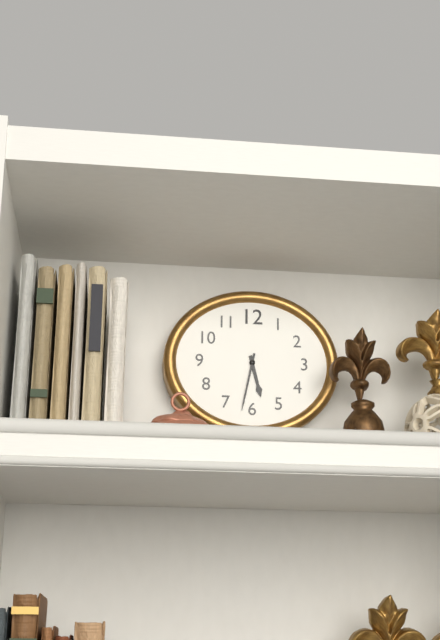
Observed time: 5:32
